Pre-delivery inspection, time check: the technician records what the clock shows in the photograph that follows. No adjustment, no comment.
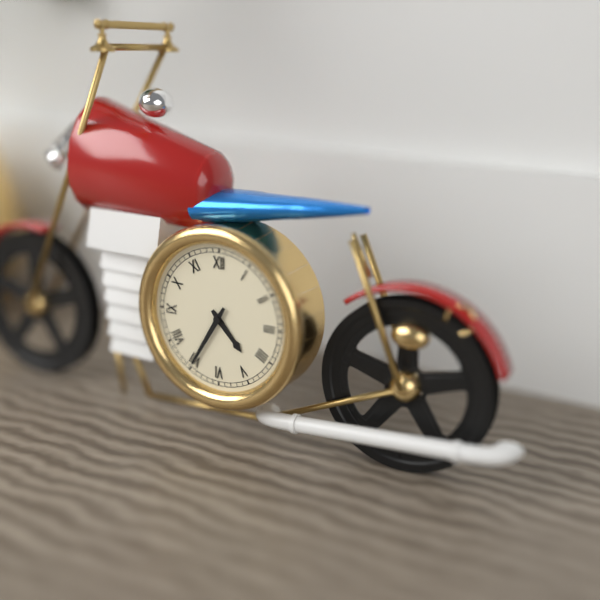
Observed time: 4:35
